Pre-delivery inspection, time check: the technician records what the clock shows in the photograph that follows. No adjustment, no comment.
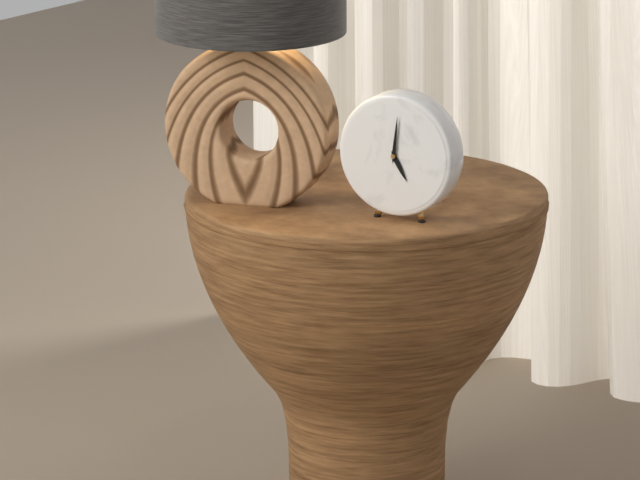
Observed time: 5:01
